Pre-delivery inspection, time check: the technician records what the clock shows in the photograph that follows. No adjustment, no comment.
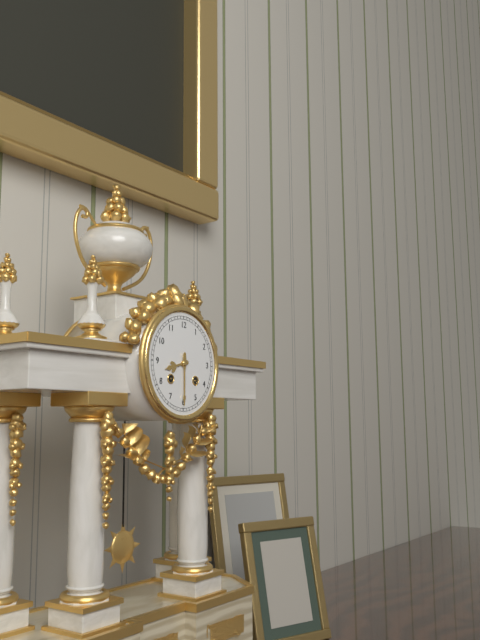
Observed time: 8:30
